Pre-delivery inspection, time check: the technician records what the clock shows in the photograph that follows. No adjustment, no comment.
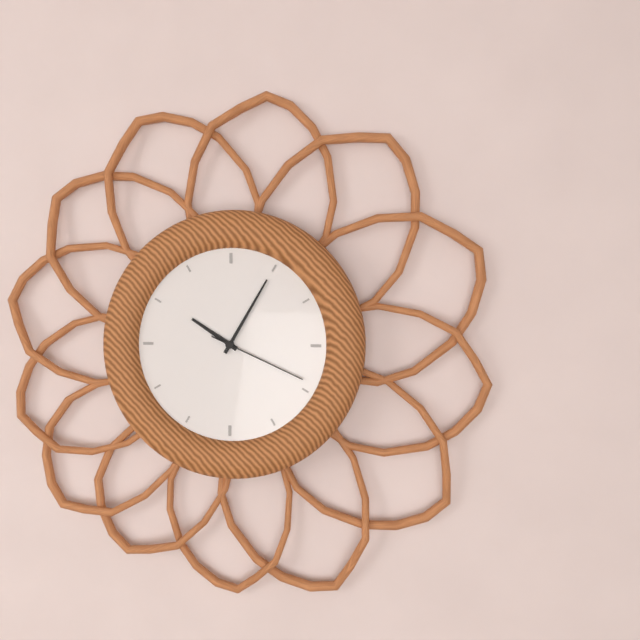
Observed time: 10:05:19
